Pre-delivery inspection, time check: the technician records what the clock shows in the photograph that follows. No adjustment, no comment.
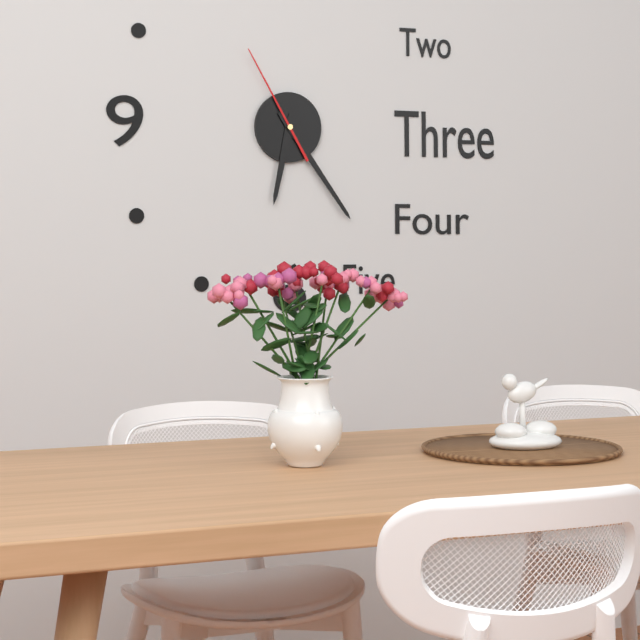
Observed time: 6:24:55
